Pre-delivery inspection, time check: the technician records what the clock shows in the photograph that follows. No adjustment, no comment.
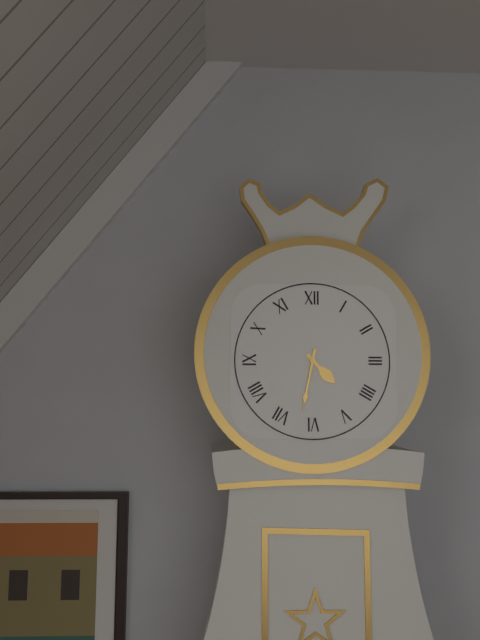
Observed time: 4:32
